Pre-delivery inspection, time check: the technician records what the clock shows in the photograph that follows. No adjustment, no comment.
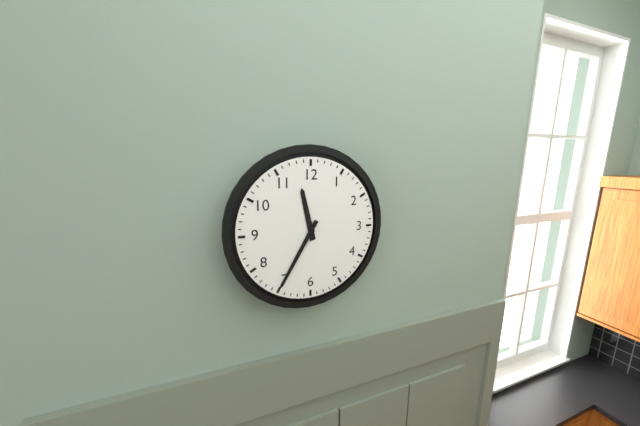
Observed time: 11:35
